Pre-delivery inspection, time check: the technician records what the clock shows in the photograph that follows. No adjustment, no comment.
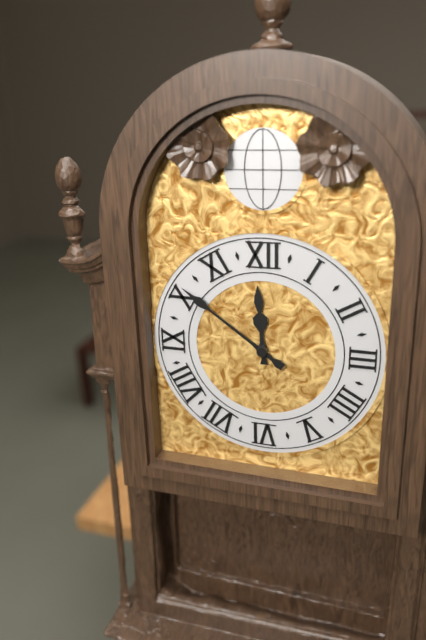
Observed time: 11:51
